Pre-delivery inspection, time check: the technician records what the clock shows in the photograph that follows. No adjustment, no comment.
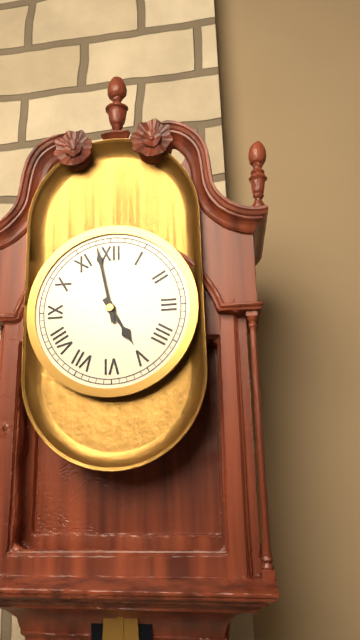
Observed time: 4:58
